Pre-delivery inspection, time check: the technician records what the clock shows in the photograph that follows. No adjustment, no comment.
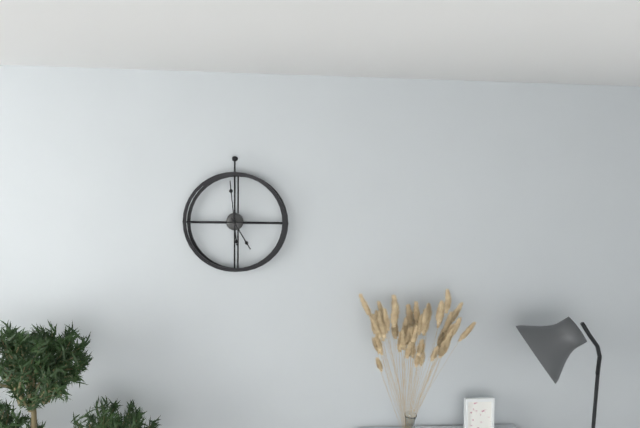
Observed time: 4:59
